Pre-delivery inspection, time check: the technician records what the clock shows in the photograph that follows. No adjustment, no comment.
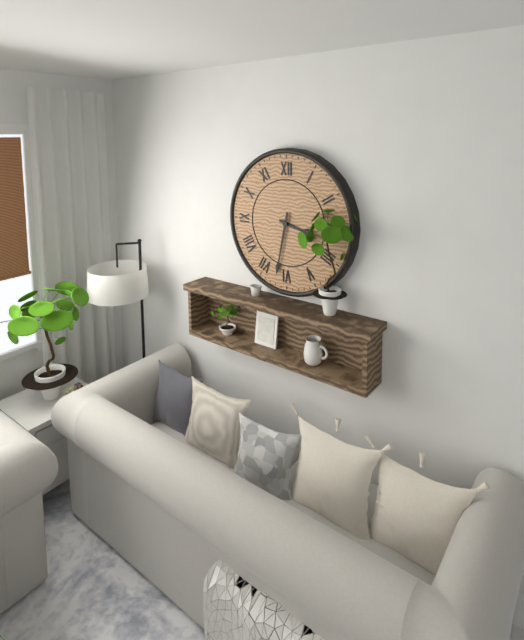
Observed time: 3:32
